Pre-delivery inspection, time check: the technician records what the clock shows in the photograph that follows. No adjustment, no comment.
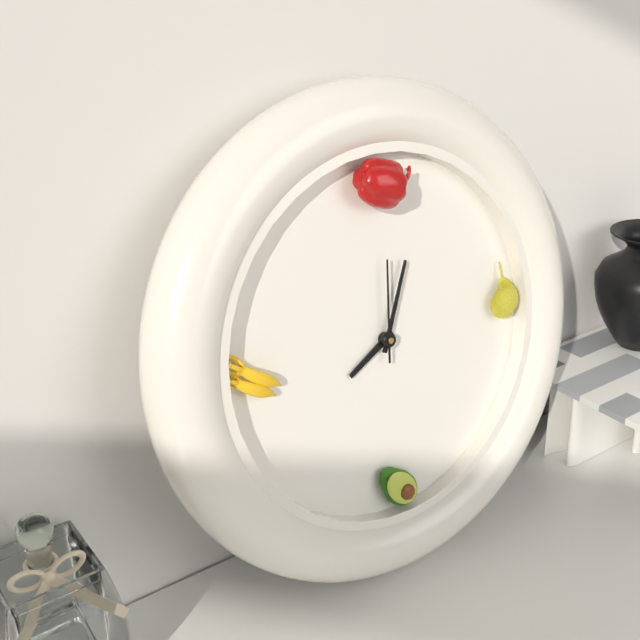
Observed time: 8:04:01
